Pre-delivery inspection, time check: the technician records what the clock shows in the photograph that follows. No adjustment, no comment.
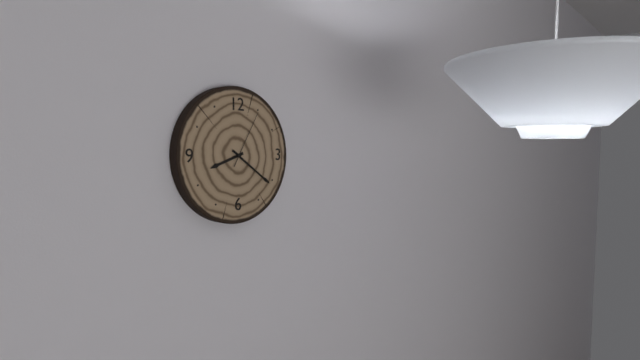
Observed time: 8:21:05
